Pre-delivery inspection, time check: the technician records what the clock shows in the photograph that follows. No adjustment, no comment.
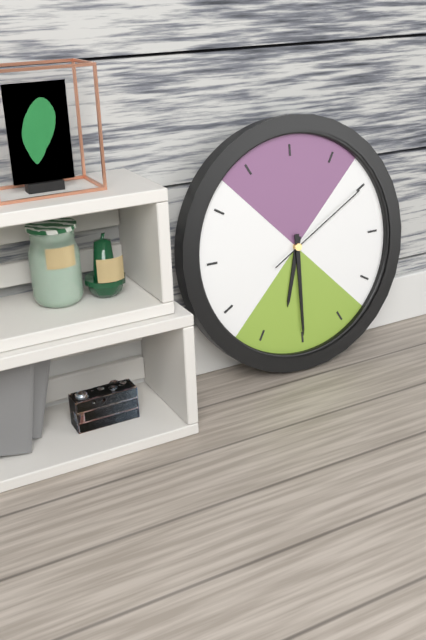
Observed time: 6:30:10
